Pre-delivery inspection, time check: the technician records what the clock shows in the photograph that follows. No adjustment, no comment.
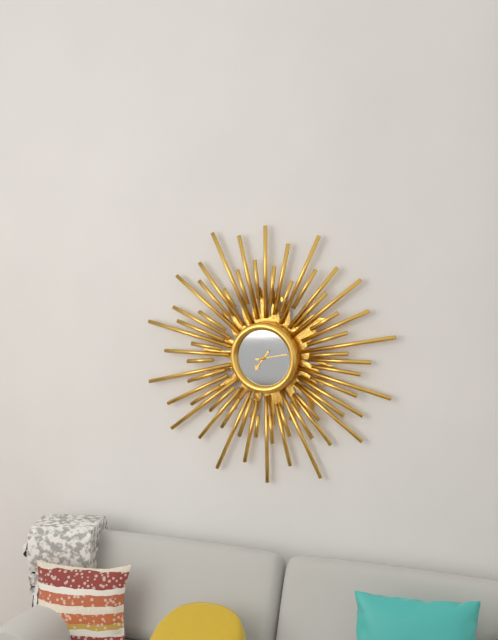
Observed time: 7:13
